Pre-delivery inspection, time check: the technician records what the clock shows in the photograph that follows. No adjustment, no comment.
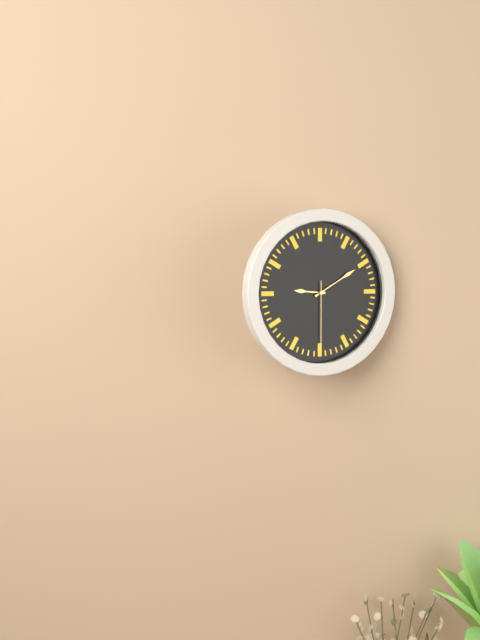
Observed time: 9:10:30
